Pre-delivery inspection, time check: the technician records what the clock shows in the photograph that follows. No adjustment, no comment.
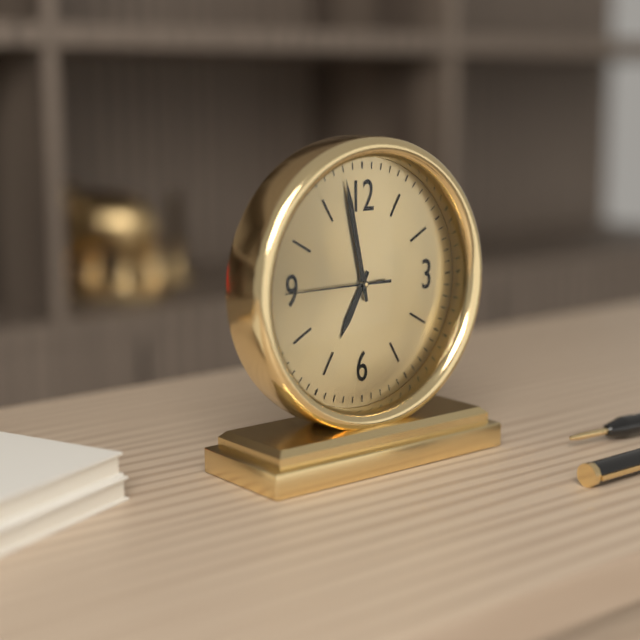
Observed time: 6:58:45
